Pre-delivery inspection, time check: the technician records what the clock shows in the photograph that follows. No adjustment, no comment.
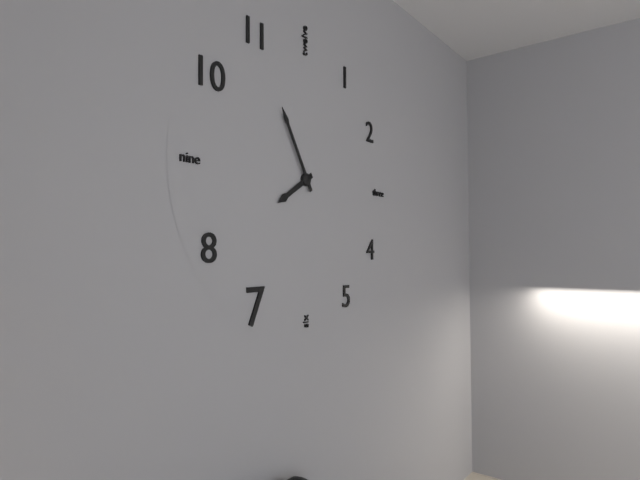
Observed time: 7:55
